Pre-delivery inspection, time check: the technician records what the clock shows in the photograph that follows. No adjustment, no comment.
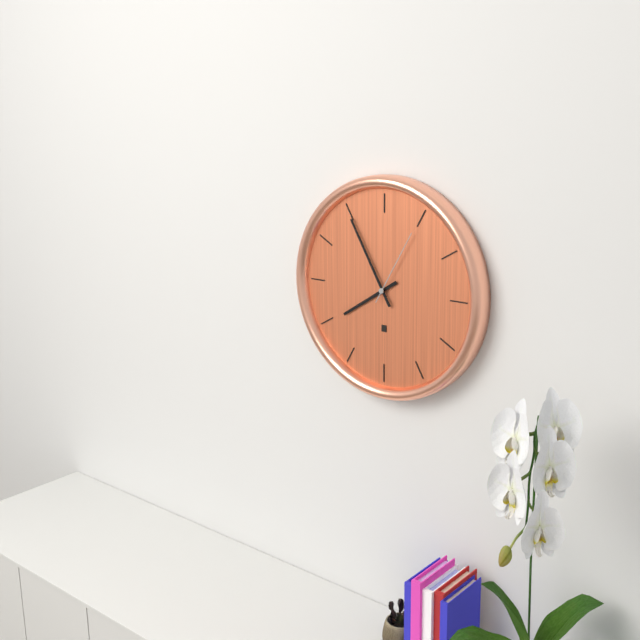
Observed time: 7:55:05
